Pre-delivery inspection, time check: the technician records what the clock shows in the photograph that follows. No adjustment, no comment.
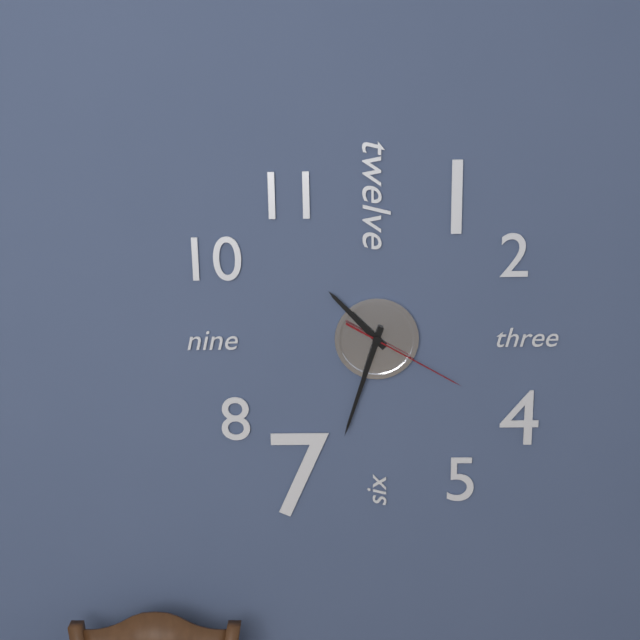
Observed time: 10:33:20
